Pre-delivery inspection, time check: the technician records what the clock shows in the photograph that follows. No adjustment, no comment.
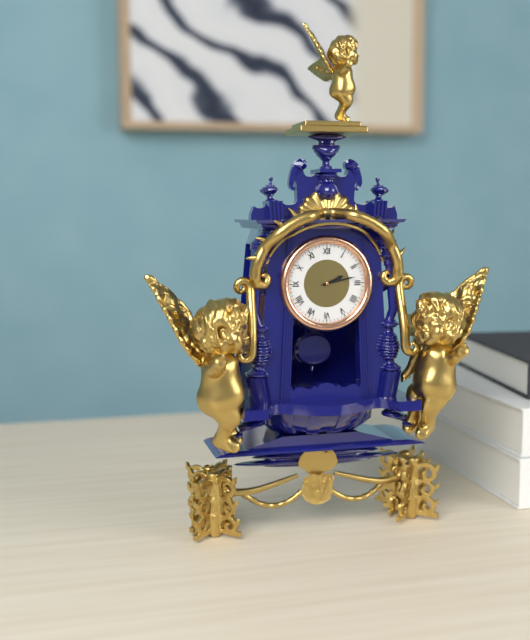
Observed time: 2:13
